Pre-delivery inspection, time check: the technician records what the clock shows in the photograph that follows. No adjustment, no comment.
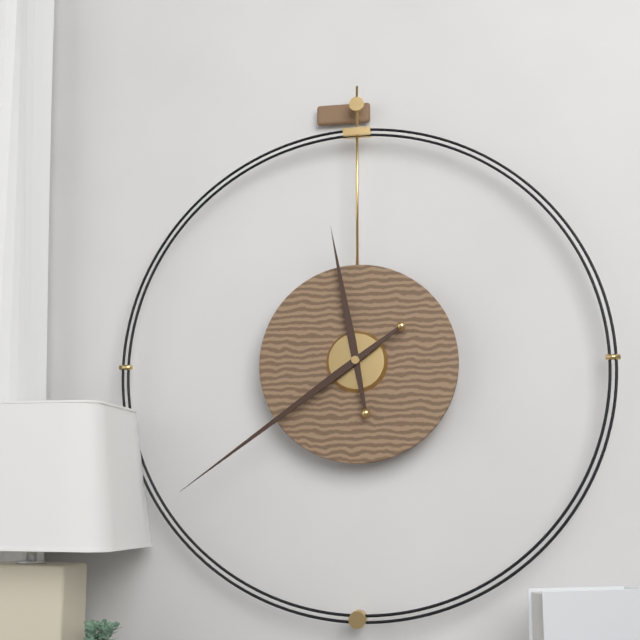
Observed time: 11:39
